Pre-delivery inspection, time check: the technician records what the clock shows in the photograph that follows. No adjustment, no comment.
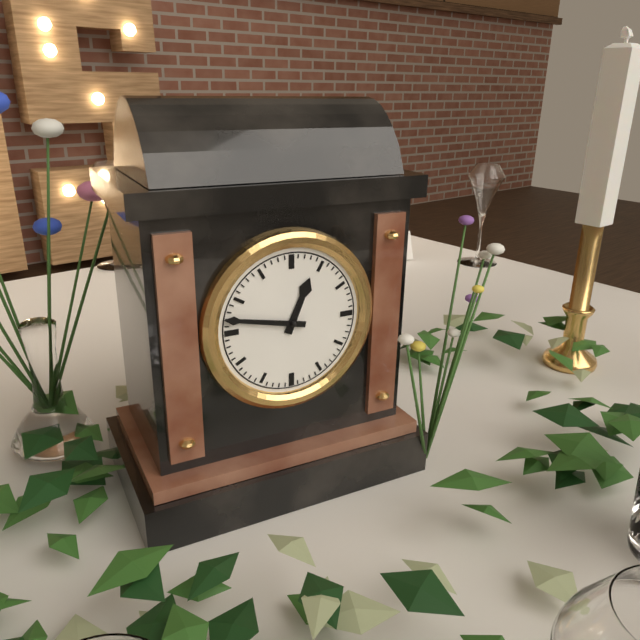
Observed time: 12:47
